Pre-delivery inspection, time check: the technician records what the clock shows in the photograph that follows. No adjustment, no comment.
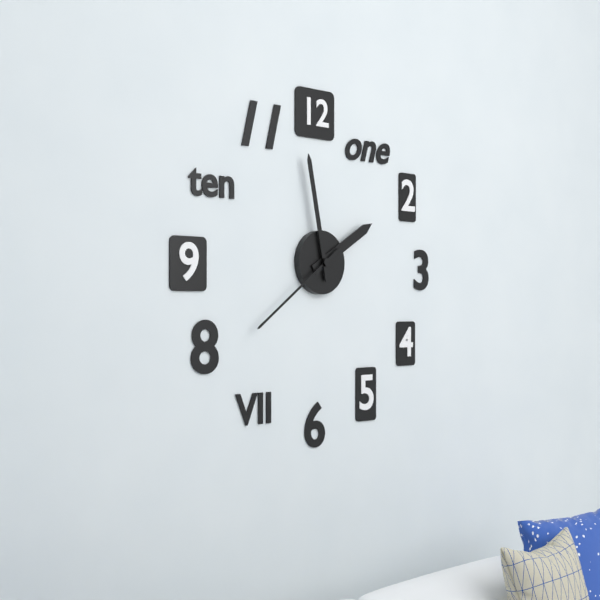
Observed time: 1:58:39
